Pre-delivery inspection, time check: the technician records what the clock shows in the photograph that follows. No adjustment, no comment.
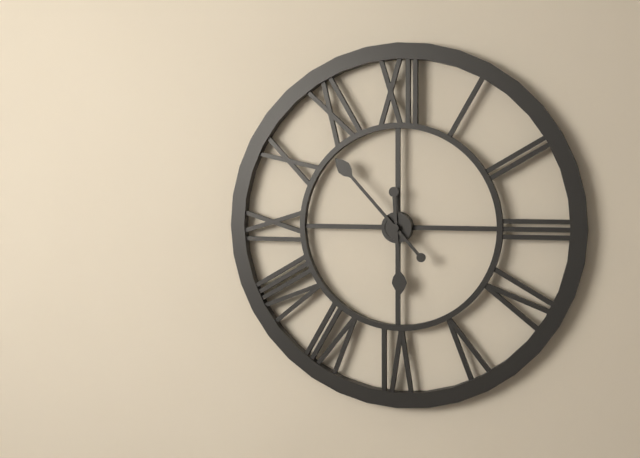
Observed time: 5:53
